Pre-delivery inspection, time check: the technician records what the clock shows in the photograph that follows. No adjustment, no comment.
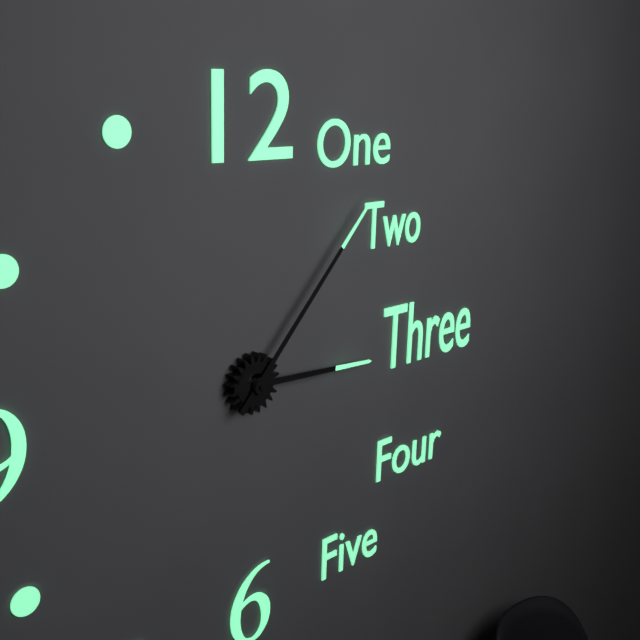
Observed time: 3:07
